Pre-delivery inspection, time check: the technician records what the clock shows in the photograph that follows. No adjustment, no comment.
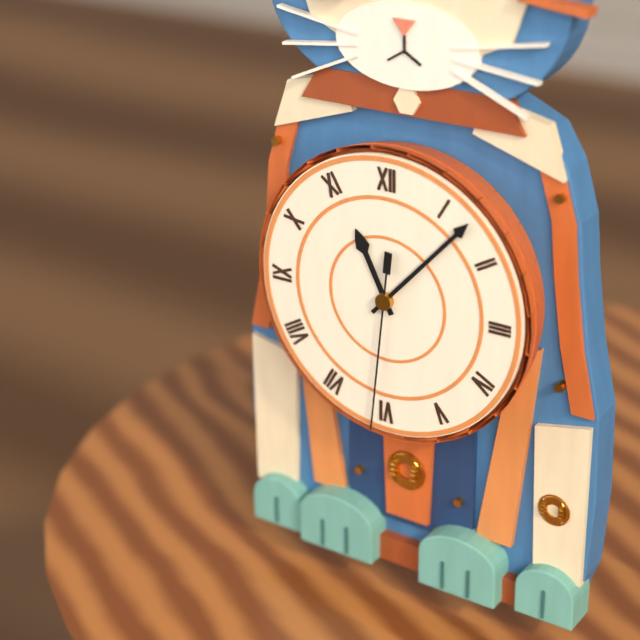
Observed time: 11:07:31
